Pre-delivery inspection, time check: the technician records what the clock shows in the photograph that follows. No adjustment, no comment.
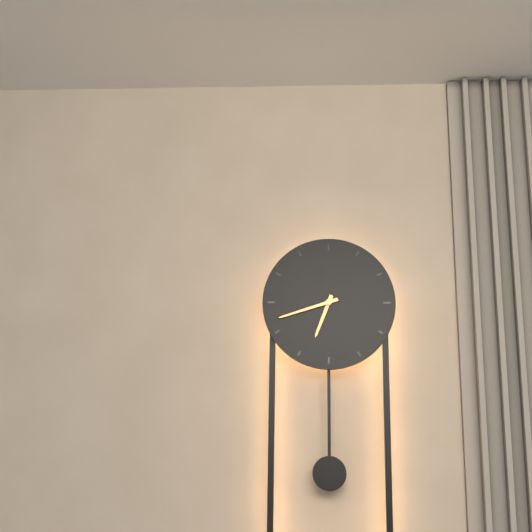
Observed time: 6:42
